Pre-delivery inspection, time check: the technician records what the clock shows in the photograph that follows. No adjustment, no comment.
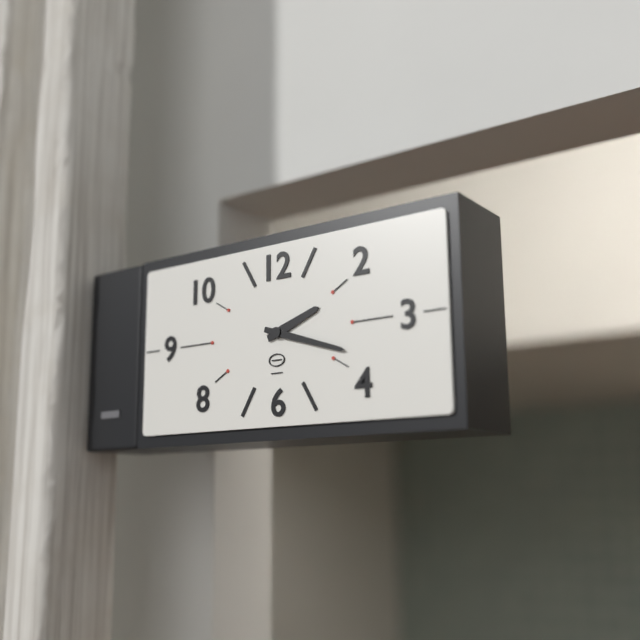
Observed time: 2:18
